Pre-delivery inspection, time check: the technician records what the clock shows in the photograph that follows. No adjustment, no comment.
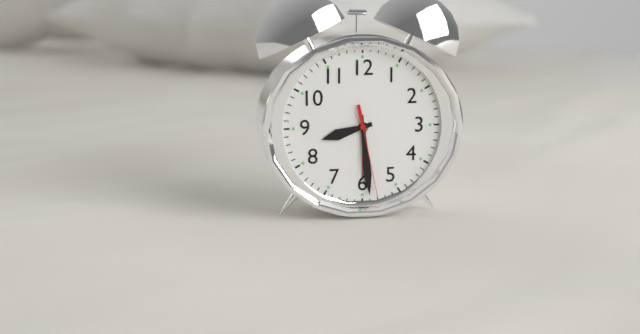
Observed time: 8:29:28
